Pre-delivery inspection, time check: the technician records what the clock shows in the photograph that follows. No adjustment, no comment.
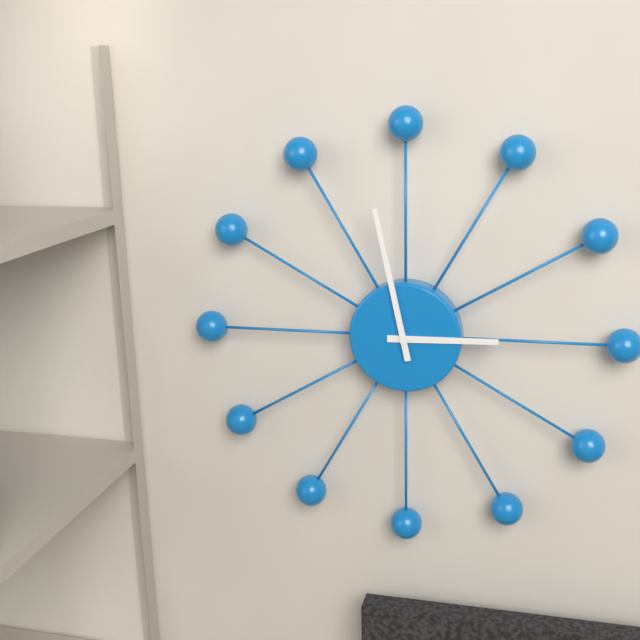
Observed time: 2:58
